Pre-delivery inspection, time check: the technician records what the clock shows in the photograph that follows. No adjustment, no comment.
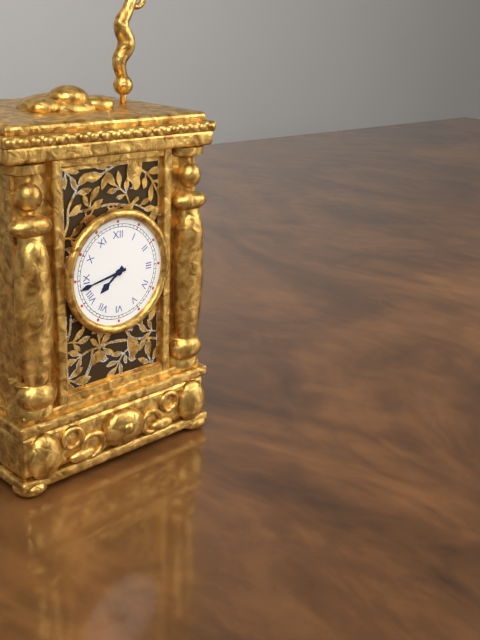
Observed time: 7:43
